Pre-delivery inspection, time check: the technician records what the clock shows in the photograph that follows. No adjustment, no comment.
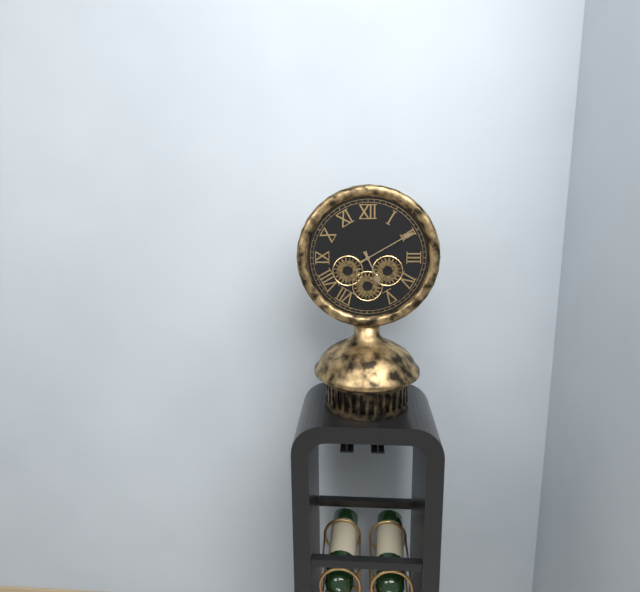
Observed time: 5:10
